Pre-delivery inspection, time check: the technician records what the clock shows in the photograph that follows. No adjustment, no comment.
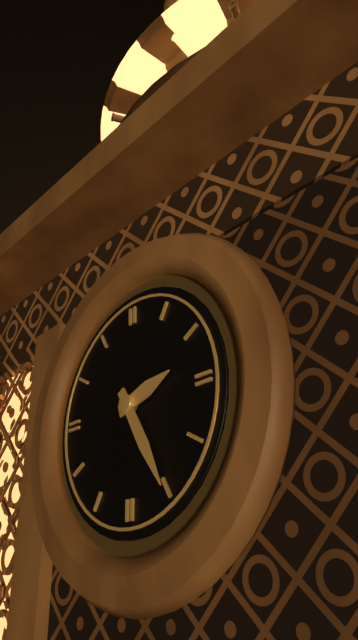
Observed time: 2:25
